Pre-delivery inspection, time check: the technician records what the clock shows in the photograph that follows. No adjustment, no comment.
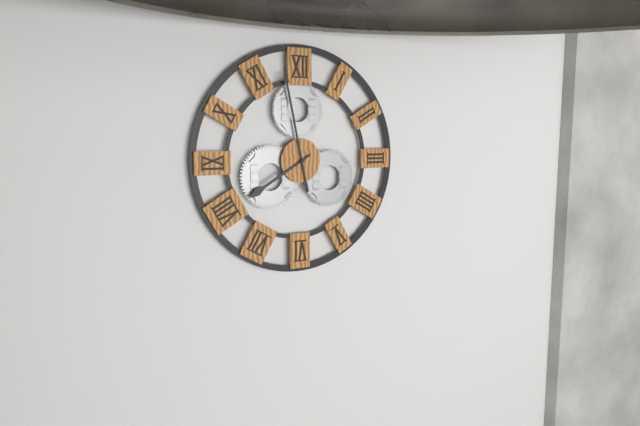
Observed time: 7:58
